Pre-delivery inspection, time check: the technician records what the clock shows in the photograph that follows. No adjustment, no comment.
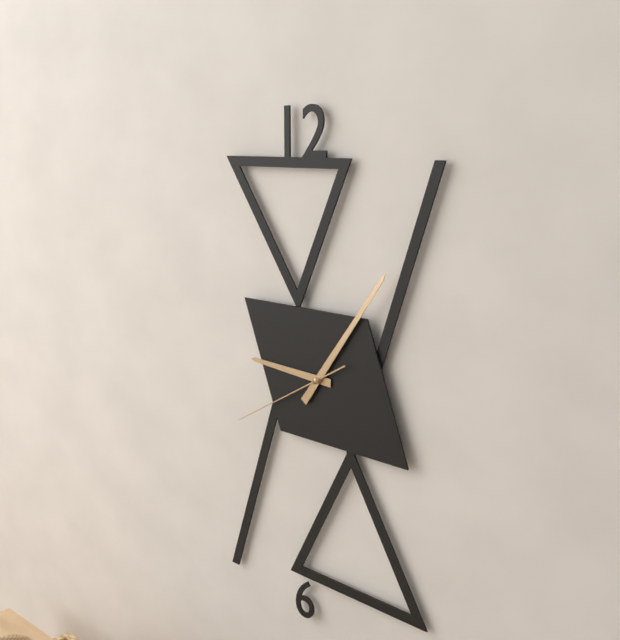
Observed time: 9:06:40
